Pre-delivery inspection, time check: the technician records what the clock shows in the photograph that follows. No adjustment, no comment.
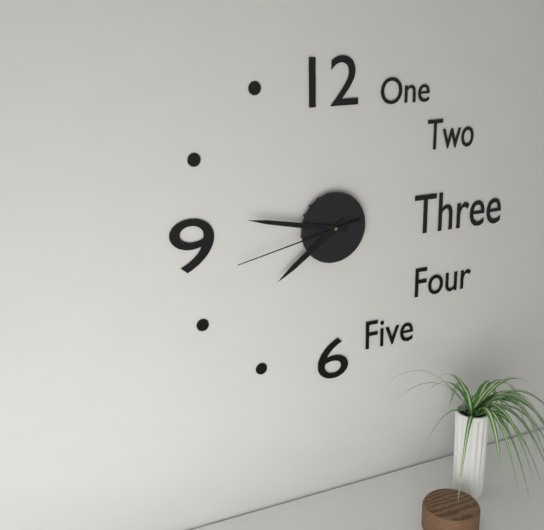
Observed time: 7:47:43
